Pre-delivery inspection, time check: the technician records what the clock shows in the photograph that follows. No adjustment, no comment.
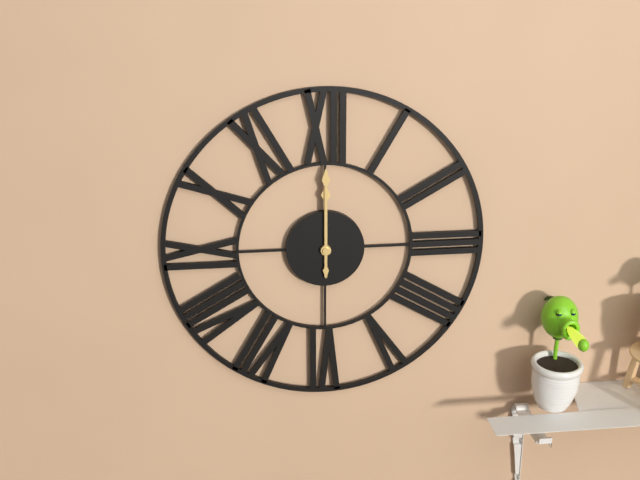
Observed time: 12:00
